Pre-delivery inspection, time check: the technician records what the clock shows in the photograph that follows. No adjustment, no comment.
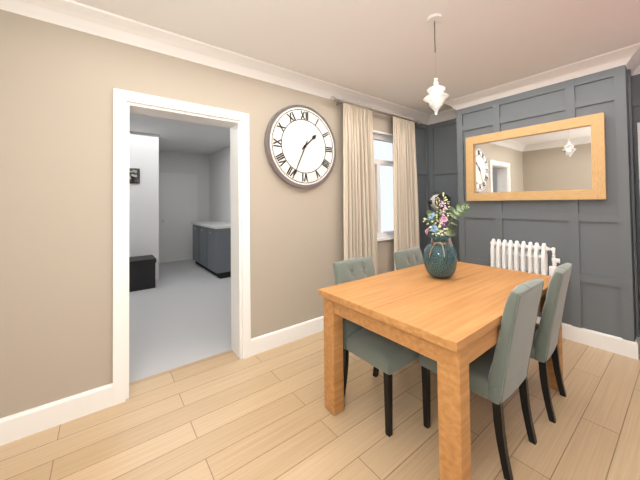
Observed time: 1:34
